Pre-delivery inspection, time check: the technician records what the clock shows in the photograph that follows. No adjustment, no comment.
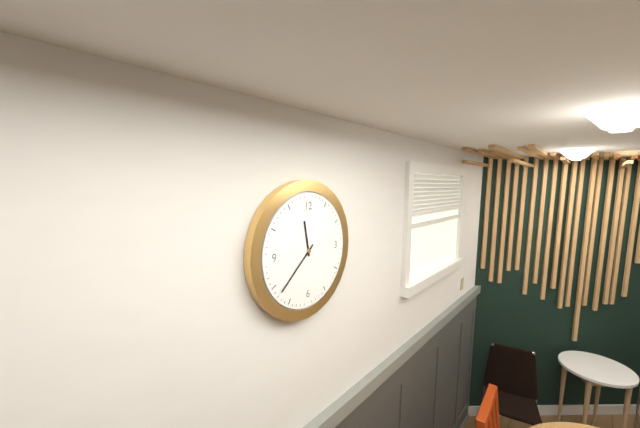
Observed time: 11:38
